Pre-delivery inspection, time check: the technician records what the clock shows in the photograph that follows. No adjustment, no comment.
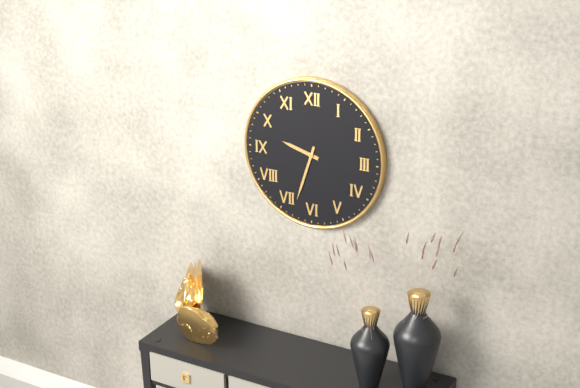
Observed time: 9:33
